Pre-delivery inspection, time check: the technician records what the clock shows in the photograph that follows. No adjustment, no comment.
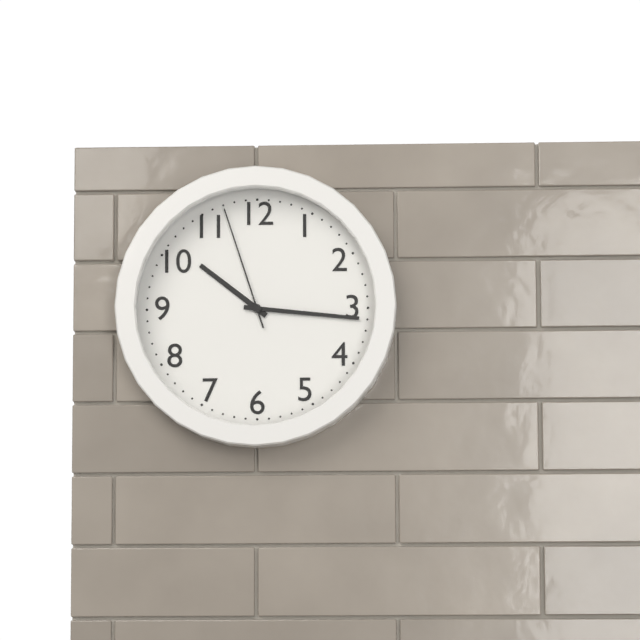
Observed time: 10:16:57
